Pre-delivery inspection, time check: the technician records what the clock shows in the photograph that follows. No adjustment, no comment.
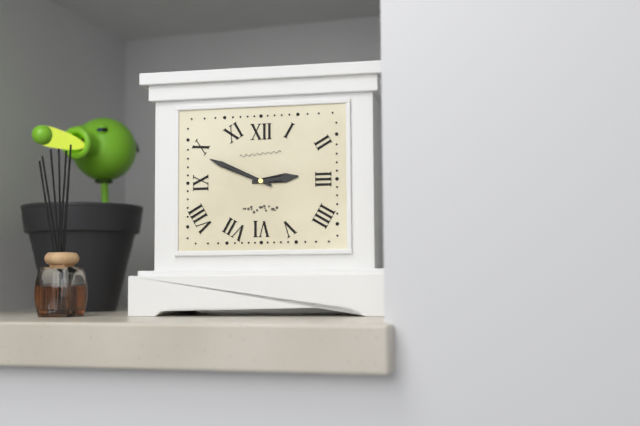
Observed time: 2:49
